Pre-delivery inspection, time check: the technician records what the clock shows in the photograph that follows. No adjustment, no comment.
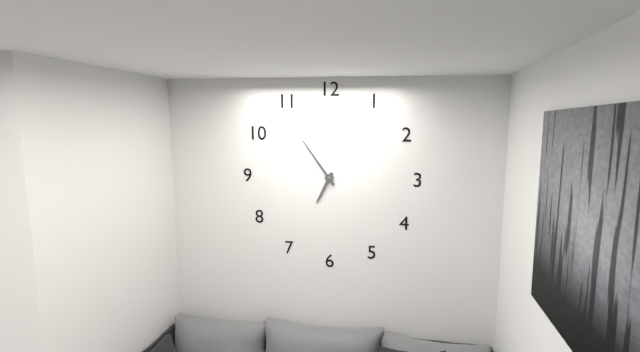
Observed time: 6:54
